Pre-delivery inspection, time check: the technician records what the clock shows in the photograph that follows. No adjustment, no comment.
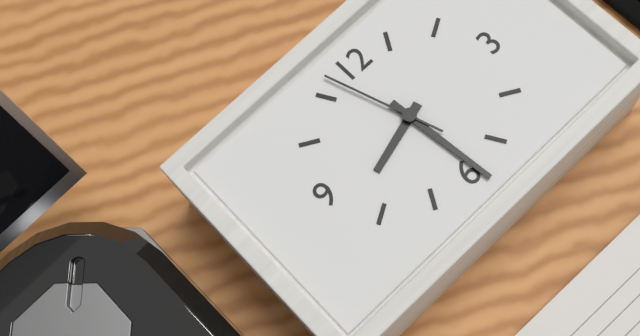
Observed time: 8:29:57
